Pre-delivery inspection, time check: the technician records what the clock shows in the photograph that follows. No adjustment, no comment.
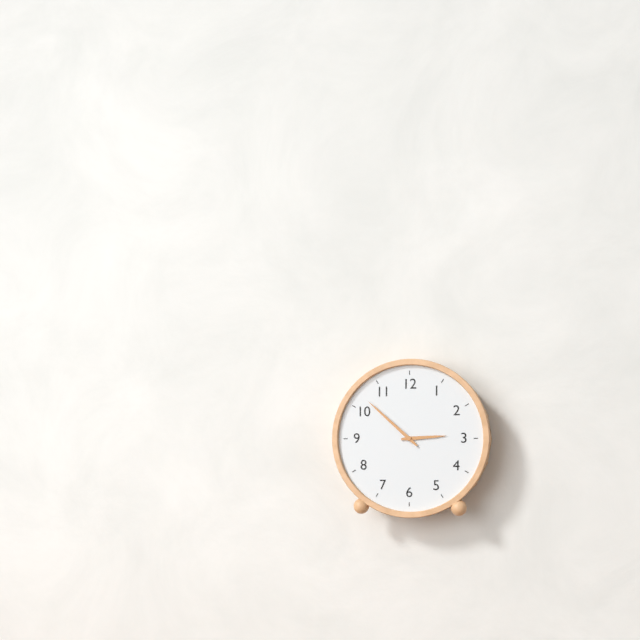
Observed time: 2:52
